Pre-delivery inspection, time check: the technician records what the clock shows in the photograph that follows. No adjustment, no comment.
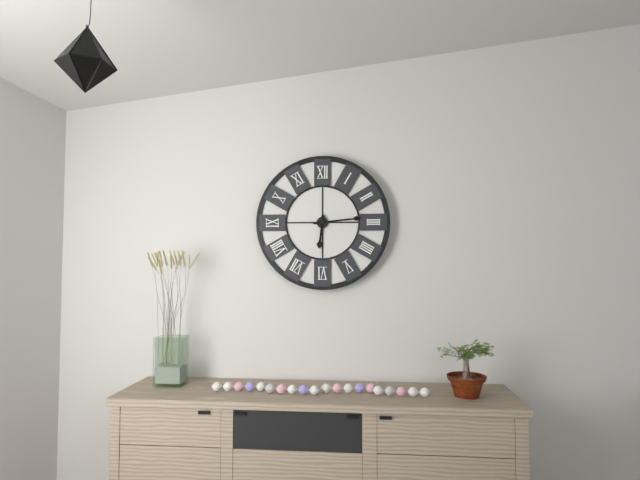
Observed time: 6:14
